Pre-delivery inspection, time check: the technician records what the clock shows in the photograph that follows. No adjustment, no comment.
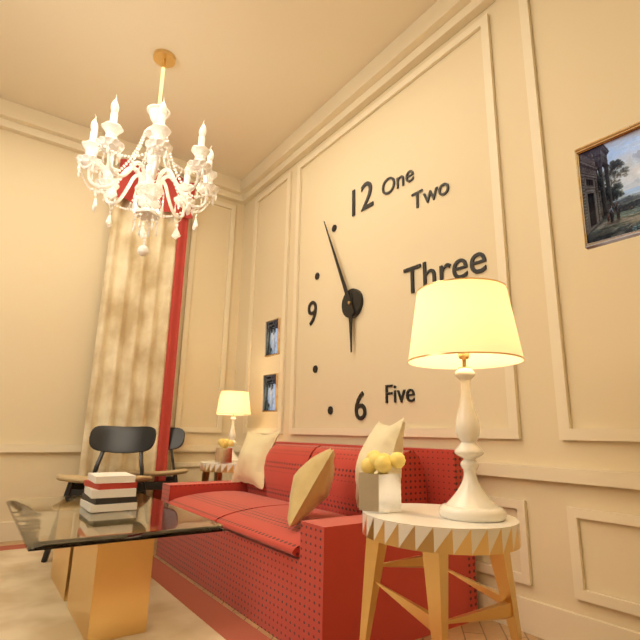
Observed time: 5:56
